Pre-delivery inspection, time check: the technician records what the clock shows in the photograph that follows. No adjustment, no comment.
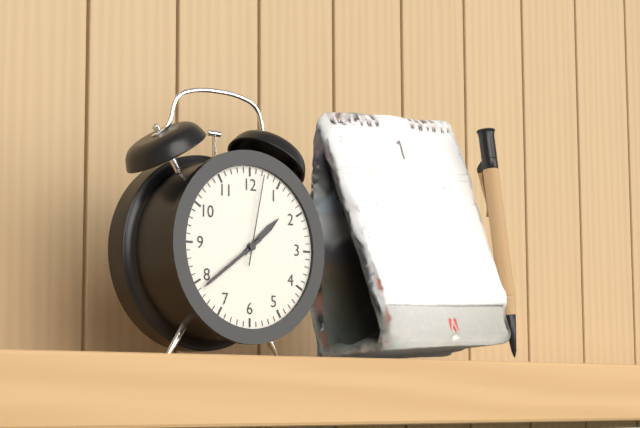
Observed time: 1:39:02
